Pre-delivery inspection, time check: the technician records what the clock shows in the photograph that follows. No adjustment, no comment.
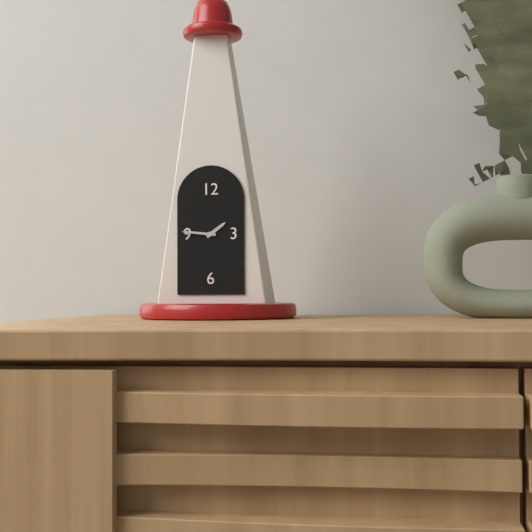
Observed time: 1:46
